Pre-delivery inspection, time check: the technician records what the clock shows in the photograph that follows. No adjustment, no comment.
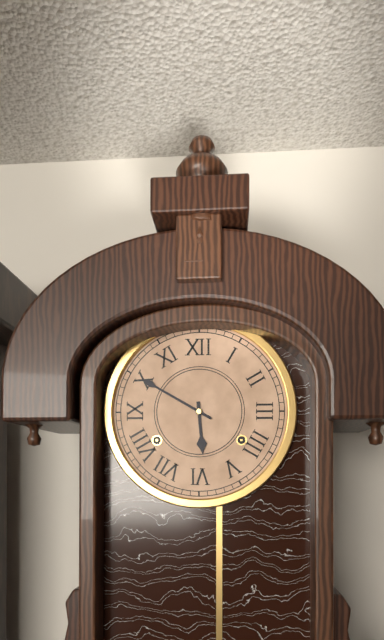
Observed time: 5:50
